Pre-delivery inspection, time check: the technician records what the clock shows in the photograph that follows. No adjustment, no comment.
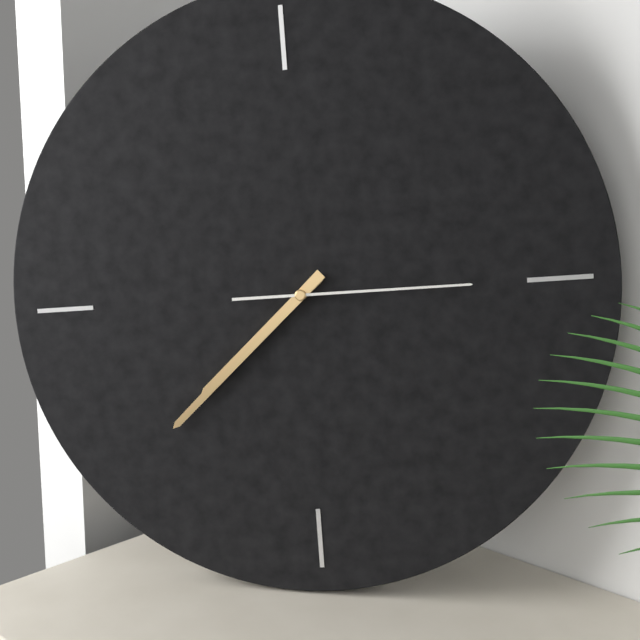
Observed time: 7:38:15
